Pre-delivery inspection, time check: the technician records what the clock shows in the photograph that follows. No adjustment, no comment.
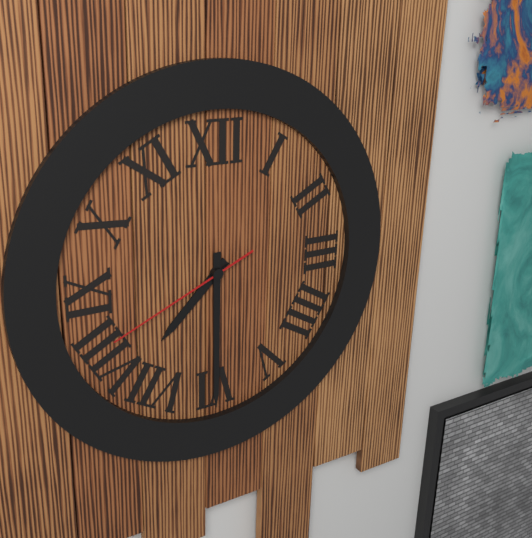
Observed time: 7:30:41
